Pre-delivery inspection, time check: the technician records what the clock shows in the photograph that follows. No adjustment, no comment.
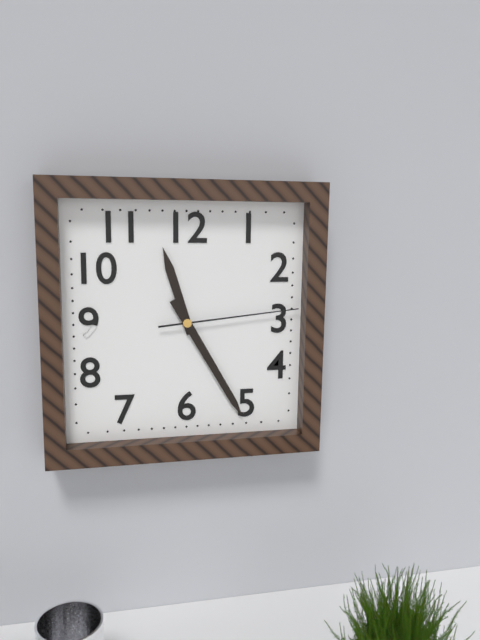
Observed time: 11:25:14
